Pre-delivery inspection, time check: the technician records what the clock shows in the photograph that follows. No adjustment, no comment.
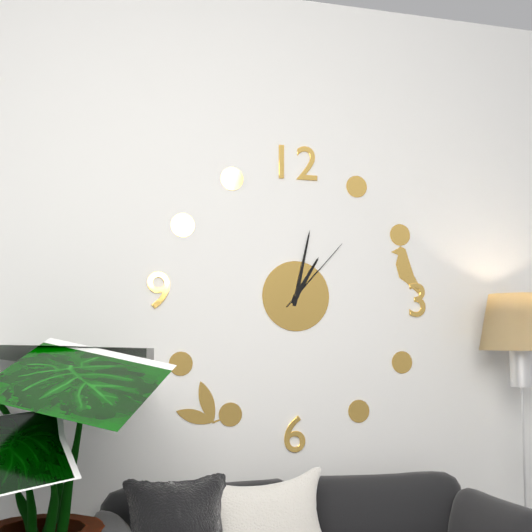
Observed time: 1:02:07
